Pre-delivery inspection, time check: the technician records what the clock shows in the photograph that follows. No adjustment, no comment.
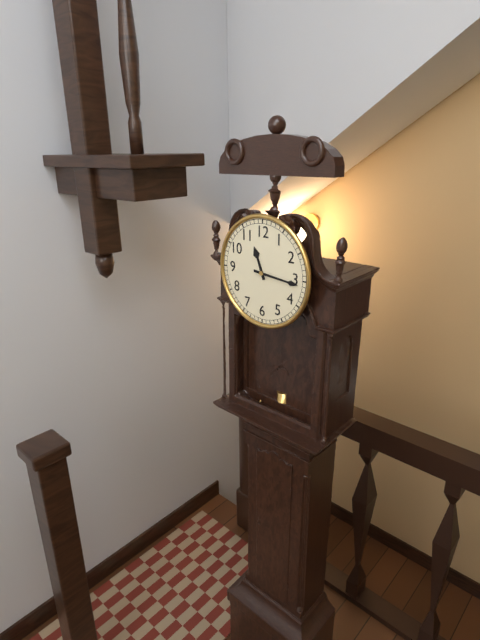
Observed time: 11:16
